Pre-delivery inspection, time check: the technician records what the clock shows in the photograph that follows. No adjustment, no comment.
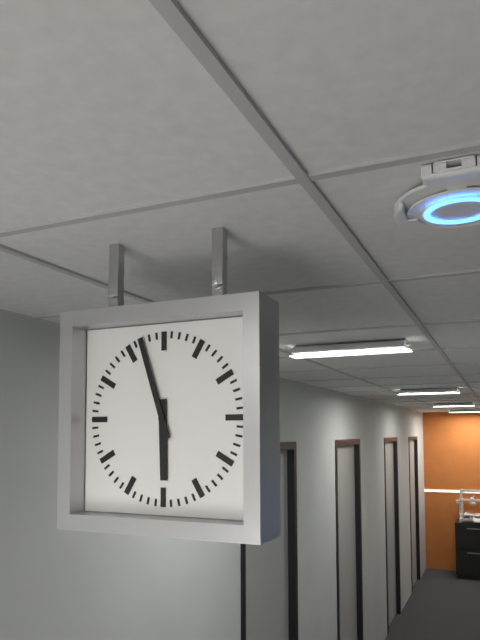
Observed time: 5:57
